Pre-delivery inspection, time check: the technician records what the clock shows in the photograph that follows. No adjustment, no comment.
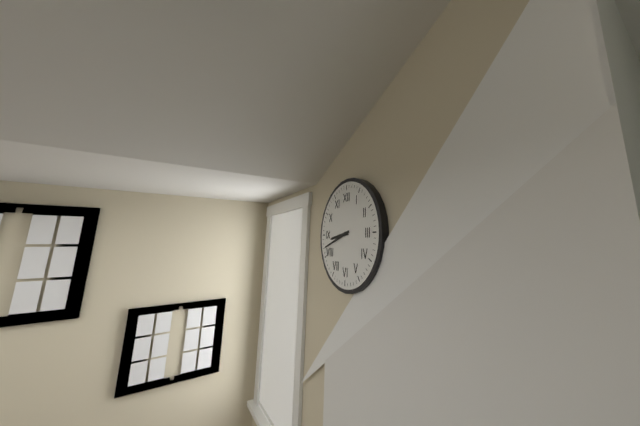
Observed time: 8:42
